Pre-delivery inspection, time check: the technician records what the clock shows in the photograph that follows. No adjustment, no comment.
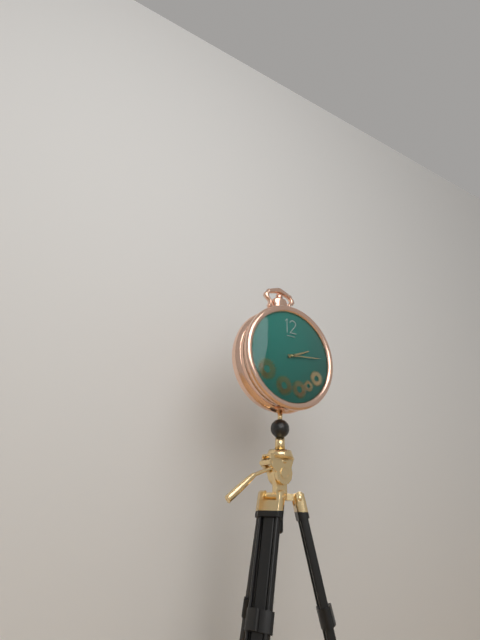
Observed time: 2:14
